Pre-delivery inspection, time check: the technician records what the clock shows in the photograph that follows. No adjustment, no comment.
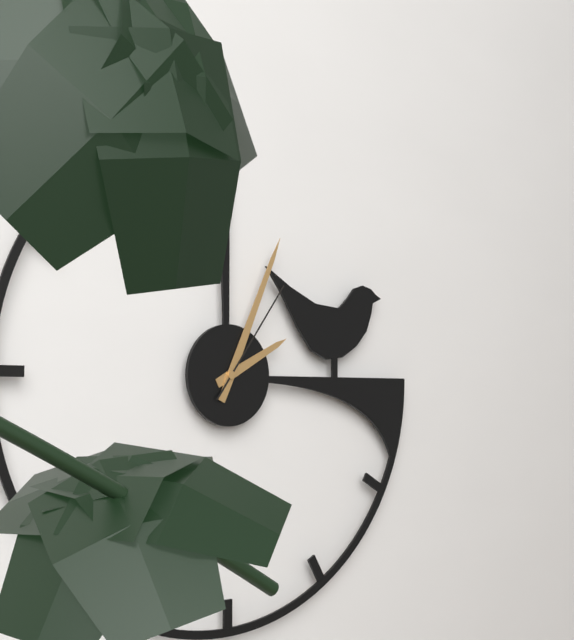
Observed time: 2:04:06
